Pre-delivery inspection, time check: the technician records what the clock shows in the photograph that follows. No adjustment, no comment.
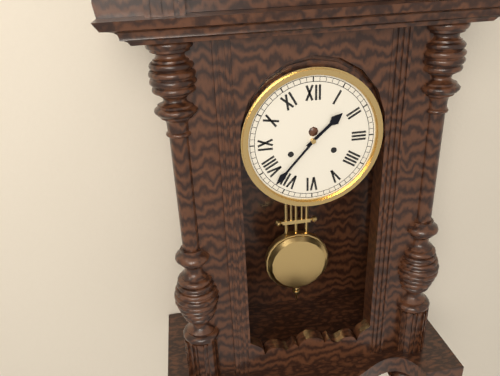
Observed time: 1:37
